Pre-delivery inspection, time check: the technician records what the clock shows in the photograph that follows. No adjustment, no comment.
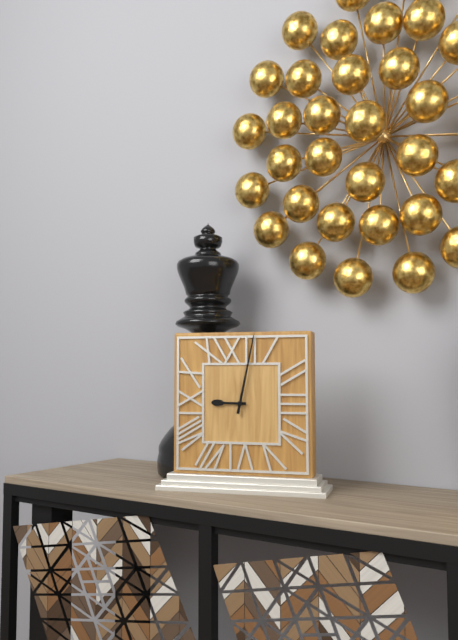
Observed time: 9:02
